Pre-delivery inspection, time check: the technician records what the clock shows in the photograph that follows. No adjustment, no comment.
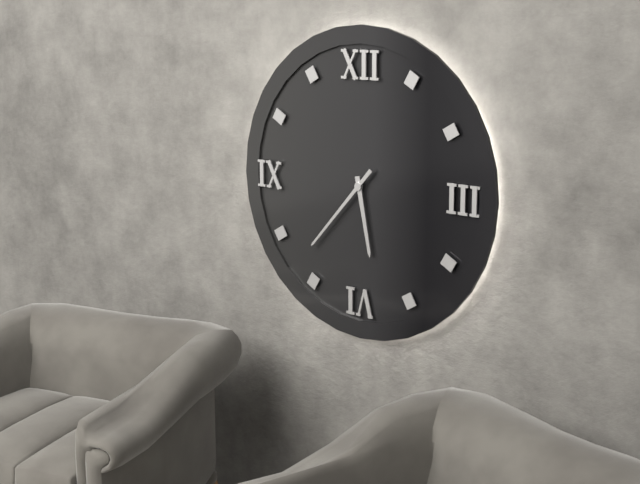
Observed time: 5:37
